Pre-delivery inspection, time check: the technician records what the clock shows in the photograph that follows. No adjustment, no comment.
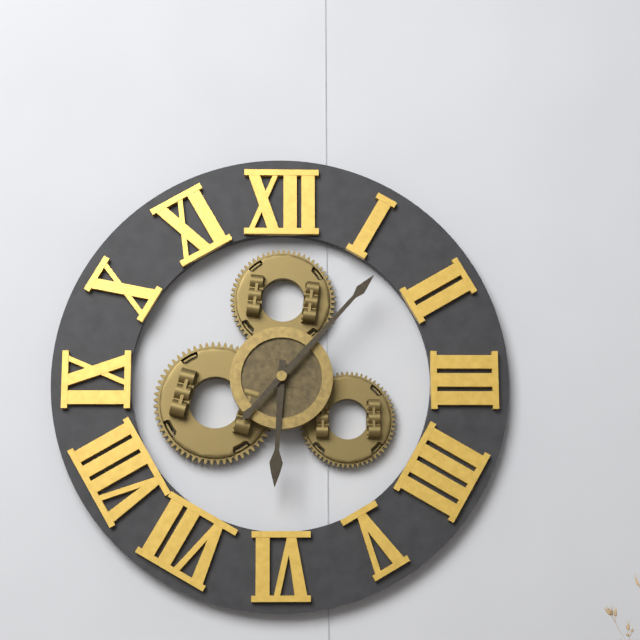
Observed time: 6:07
